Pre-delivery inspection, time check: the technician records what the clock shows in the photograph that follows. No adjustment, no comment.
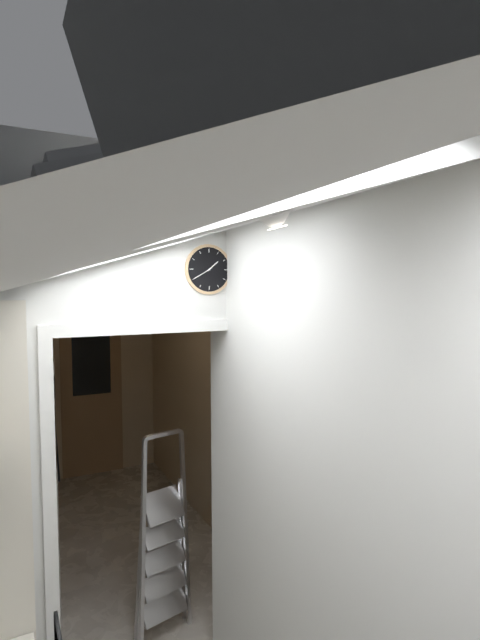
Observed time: 1:40
